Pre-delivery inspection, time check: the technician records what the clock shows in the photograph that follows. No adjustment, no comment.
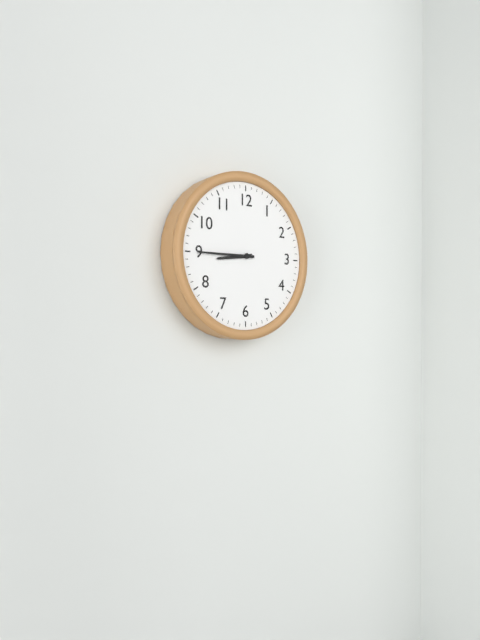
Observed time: 8:45
